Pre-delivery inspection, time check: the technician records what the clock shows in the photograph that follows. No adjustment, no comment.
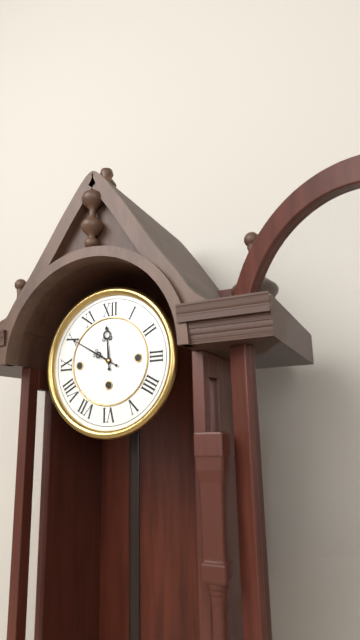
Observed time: 11:50
